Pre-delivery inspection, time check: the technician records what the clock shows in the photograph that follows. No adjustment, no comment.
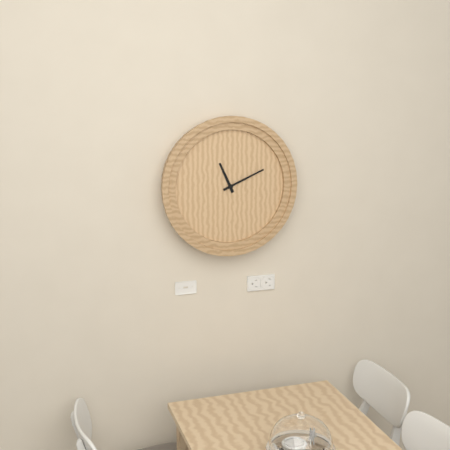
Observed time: 11:11
